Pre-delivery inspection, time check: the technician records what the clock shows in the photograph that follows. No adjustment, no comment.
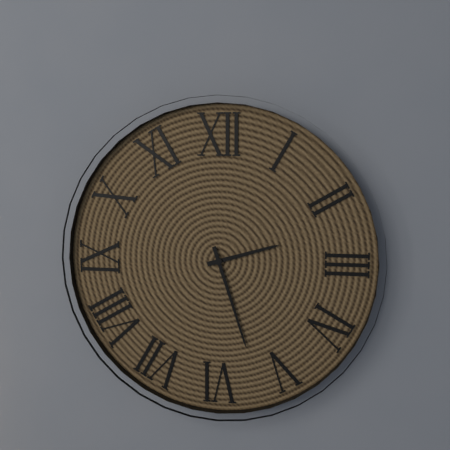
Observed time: 2:27
